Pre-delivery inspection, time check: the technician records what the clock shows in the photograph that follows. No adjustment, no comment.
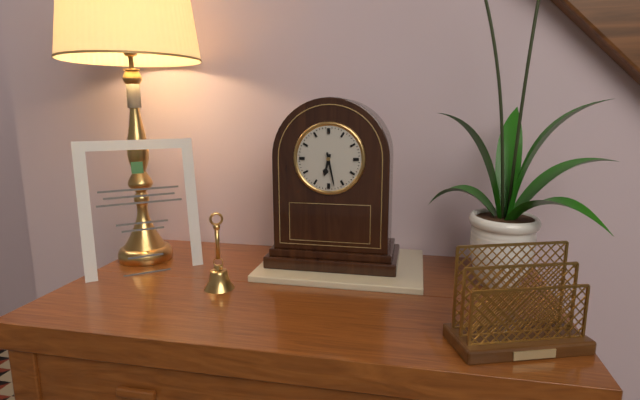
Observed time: 6:28
